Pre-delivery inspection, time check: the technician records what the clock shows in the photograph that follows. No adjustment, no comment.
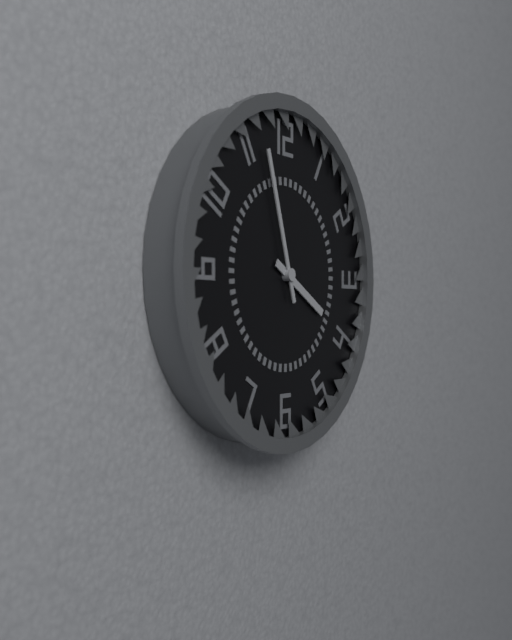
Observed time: 3:57
